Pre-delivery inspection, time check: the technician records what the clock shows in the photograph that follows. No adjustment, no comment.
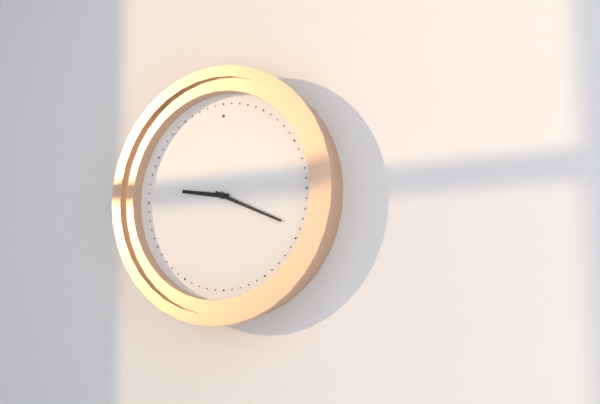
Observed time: 9:19
